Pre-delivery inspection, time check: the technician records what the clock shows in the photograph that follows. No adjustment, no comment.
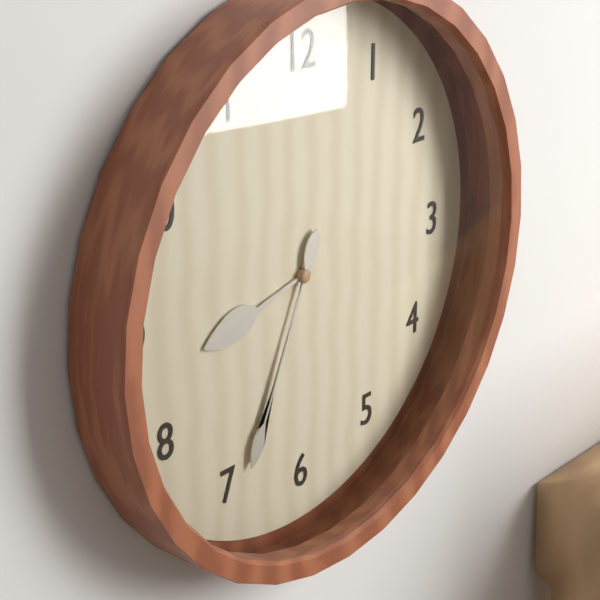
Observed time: 8:34
